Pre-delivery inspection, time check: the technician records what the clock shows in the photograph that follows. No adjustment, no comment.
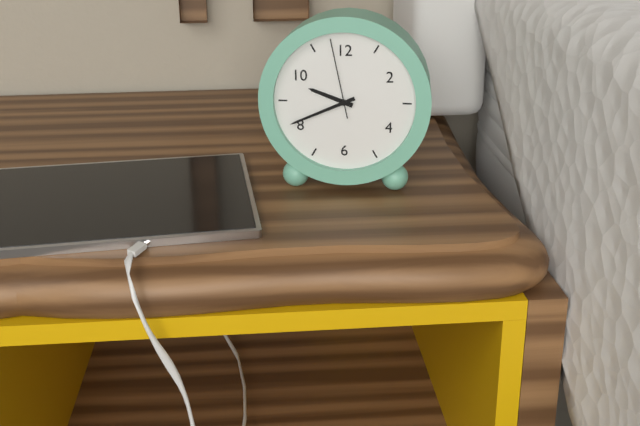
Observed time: 9:41:58
